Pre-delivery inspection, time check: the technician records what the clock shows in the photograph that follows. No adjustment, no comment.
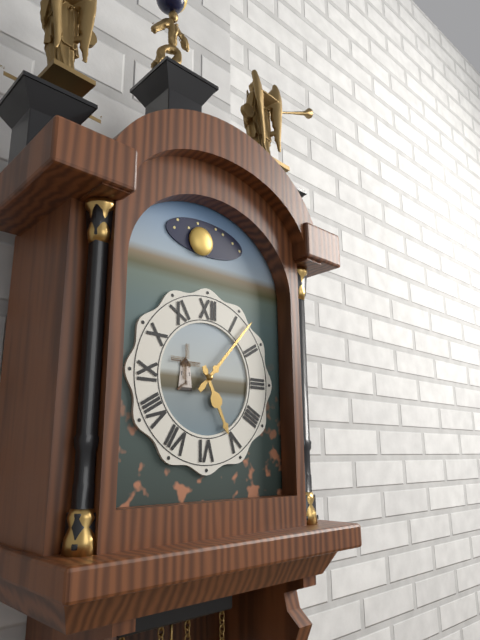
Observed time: 5:07
